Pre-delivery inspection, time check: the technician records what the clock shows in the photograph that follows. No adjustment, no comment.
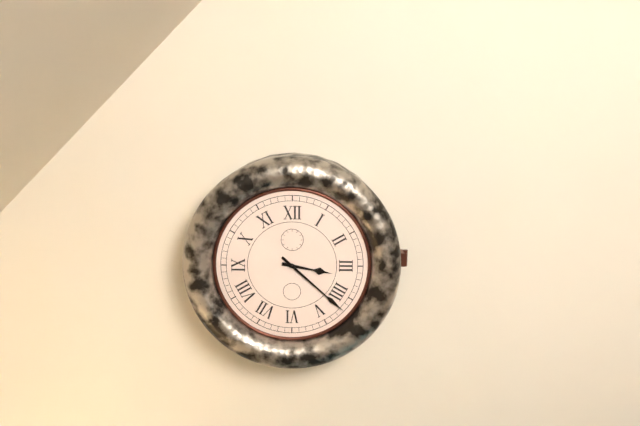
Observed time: 3:22
